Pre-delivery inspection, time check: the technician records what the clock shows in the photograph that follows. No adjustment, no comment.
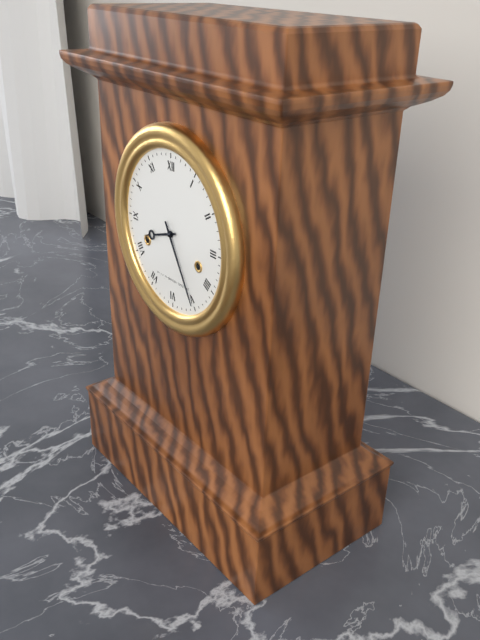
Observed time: 8:25
